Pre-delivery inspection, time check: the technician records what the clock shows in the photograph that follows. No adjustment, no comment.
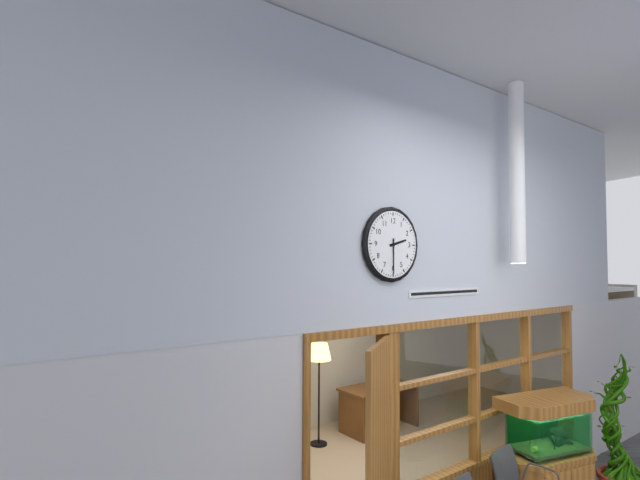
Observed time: 2:30
